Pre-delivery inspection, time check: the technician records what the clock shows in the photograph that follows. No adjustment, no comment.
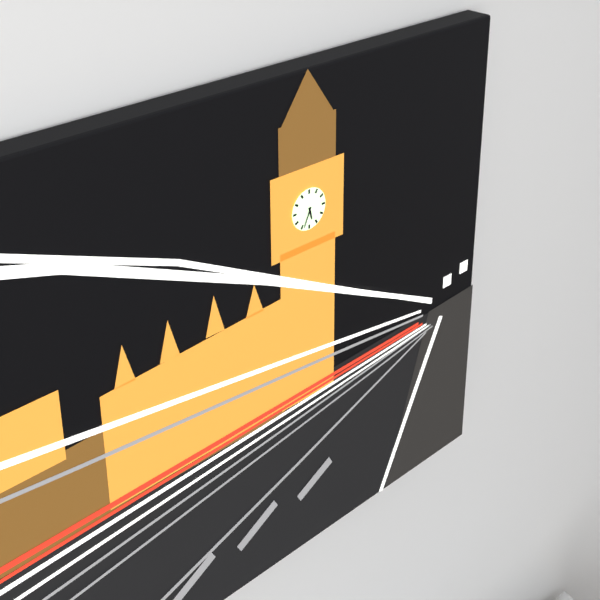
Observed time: 5:34
